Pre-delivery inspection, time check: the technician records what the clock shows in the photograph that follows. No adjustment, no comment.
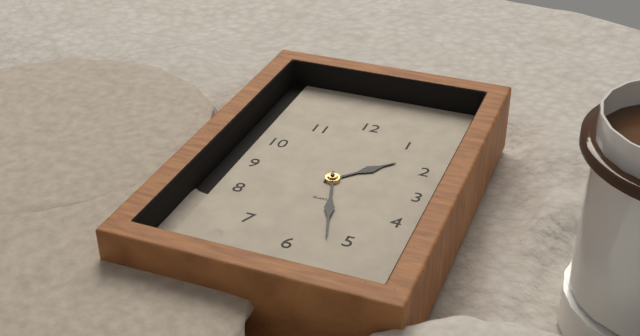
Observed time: 1:27
